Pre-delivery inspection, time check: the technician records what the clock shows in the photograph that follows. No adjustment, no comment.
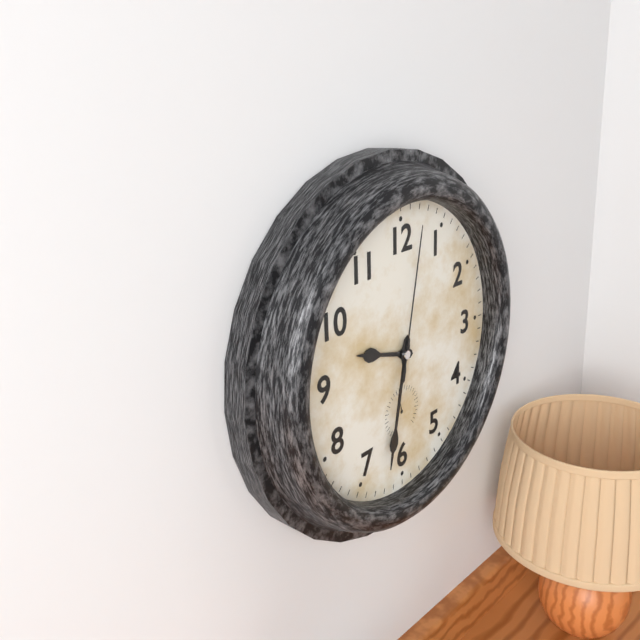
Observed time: 9:32:02
